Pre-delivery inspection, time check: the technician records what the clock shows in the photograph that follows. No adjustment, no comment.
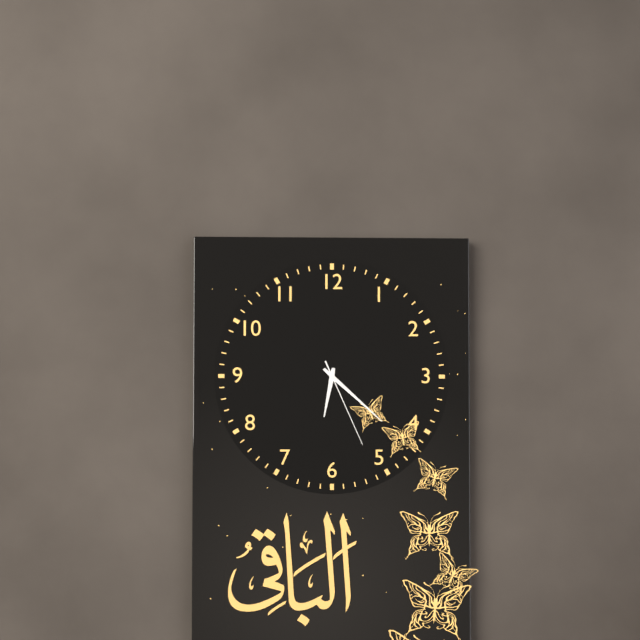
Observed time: 6:22:26
